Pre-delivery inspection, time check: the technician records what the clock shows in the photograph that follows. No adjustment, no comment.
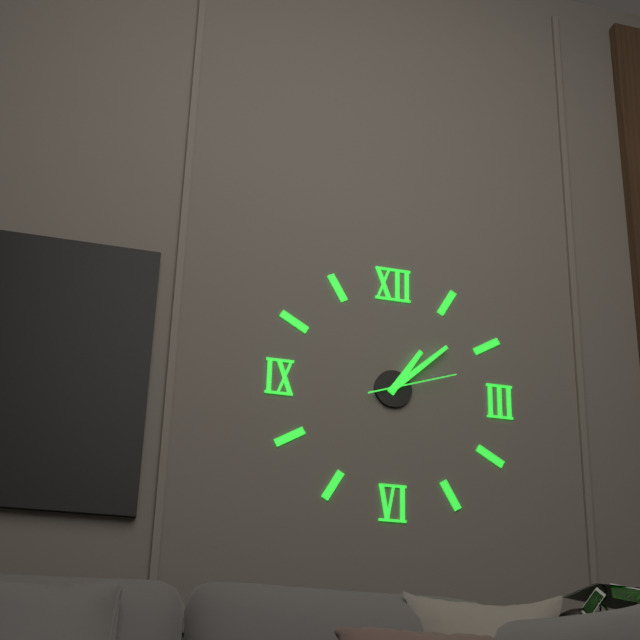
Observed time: 1:08:12
